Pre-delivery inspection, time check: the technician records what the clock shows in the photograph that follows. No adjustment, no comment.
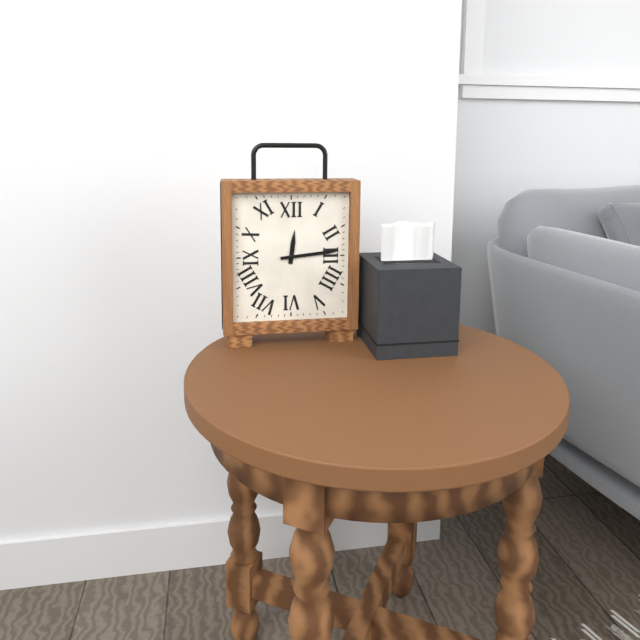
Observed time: 12:14
